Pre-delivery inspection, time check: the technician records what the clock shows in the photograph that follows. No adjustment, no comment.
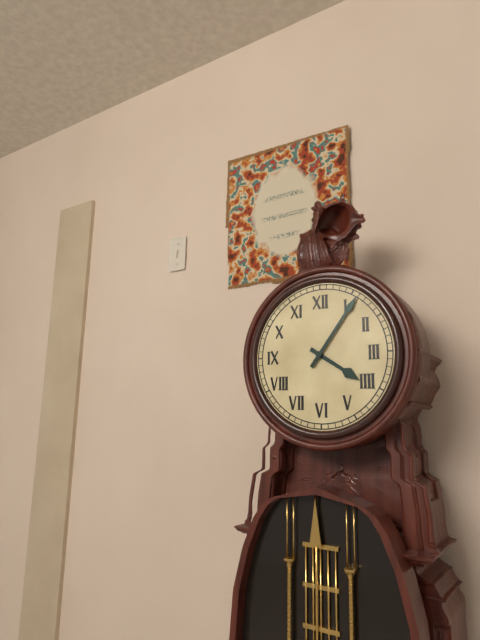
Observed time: 4:06
